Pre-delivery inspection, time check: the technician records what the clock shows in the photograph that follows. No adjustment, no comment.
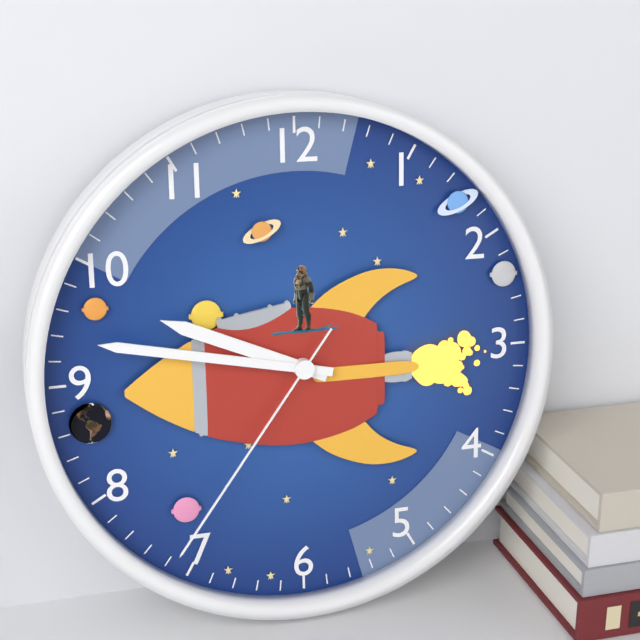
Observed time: 9:47:36
